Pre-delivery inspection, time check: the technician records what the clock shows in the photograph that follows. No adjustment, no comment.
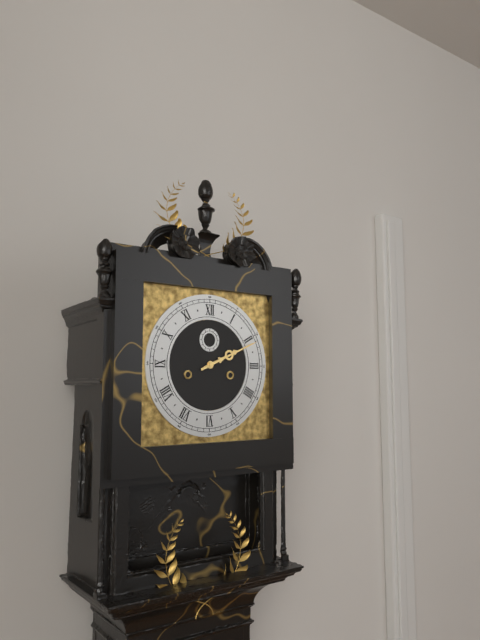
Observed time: 2:11
